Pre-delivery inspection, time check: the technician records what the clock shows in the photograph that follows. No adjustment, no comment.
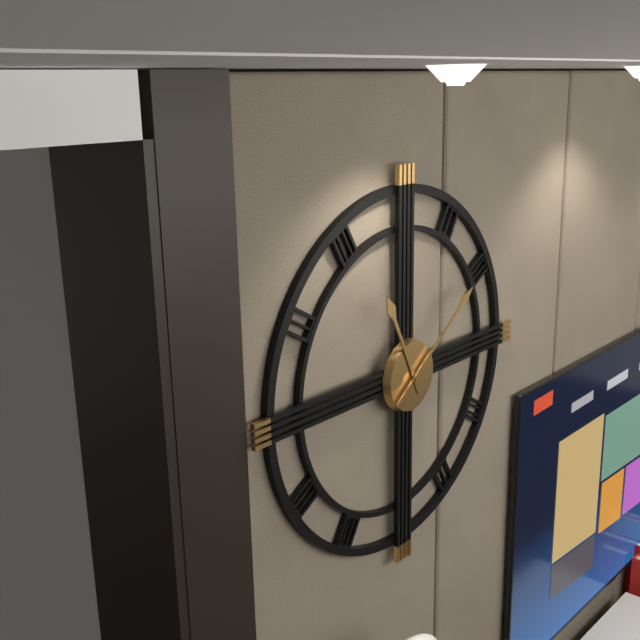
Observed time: 11:09
